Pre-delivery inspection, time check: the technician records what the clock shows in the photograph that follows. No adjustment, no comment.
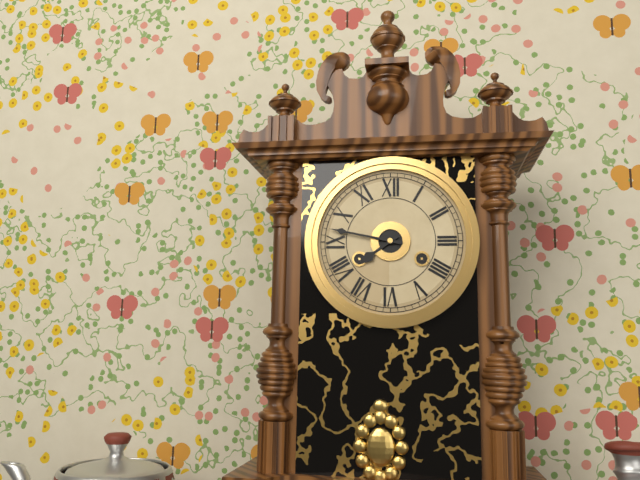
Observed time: 7:47
